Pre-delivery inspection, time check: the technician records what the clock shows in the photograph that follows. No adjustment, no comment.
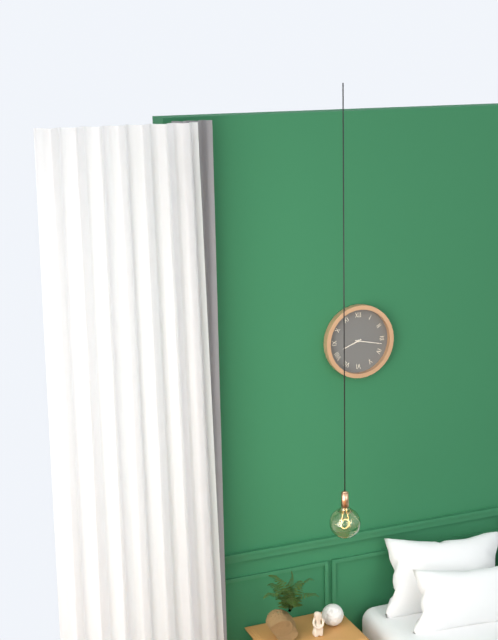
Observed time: 8:17
